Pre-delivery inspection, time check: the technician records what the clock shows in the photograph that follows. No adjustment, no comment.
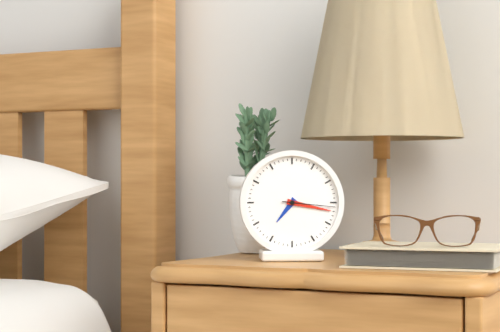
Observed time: 7:17:16
